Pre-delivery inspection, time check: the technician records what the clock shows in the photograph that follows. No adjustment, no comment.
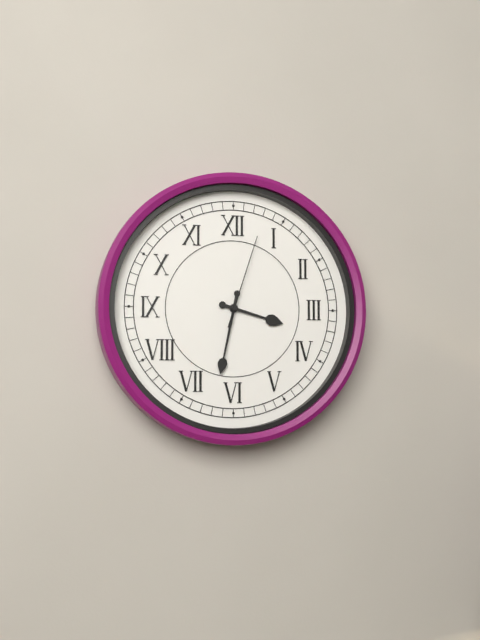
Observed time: 3:32:03
